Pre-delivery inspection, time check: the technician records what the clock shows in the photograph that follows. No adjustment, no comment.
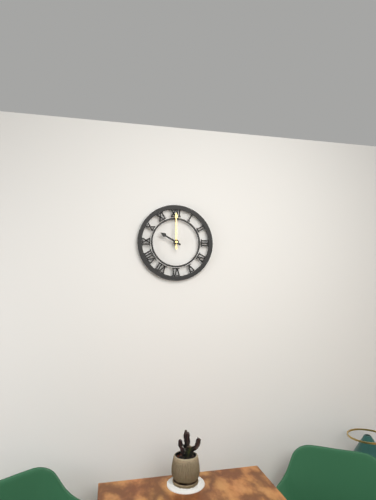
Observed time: 10:00
